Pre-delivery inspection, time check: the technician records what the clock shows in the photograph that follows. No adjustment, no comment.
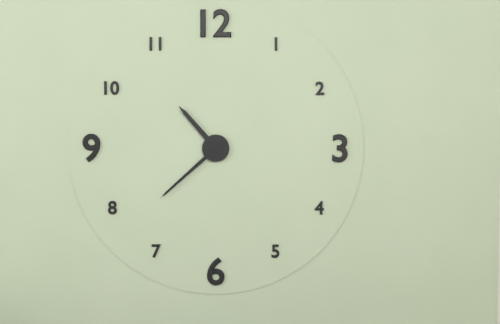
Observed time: 10:38
